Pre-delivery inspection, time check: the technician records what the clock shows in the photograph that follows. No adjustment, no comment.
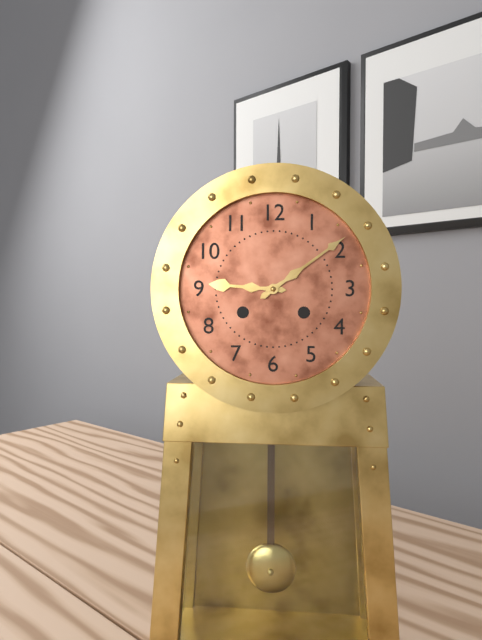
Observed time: 9:09
